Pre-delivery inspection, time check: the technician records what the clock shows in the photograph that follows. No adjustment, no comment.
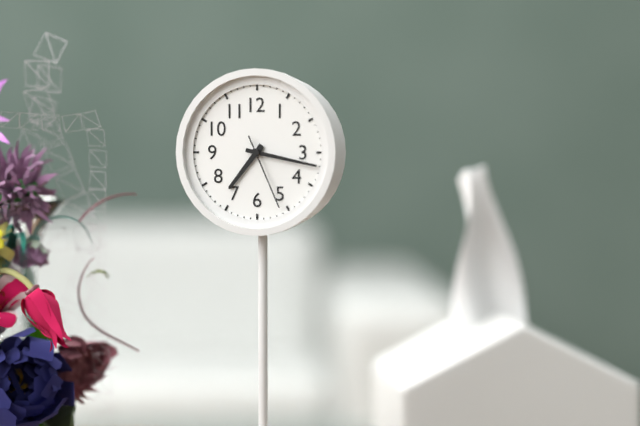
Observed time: 7:17:26
